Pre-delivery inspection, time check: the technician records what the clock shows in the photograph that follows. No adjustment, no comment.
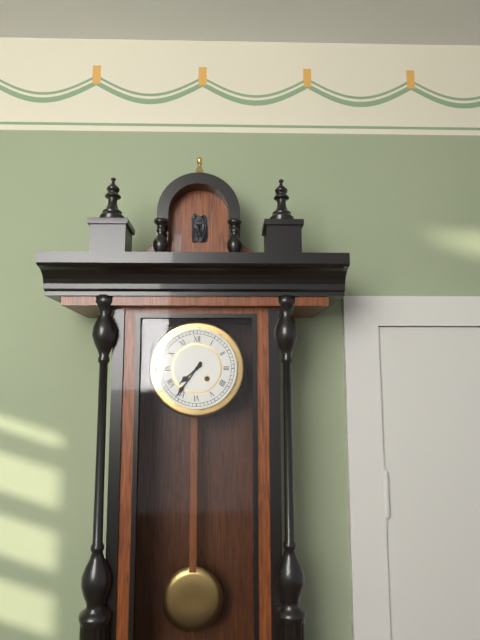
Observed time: 7:36
